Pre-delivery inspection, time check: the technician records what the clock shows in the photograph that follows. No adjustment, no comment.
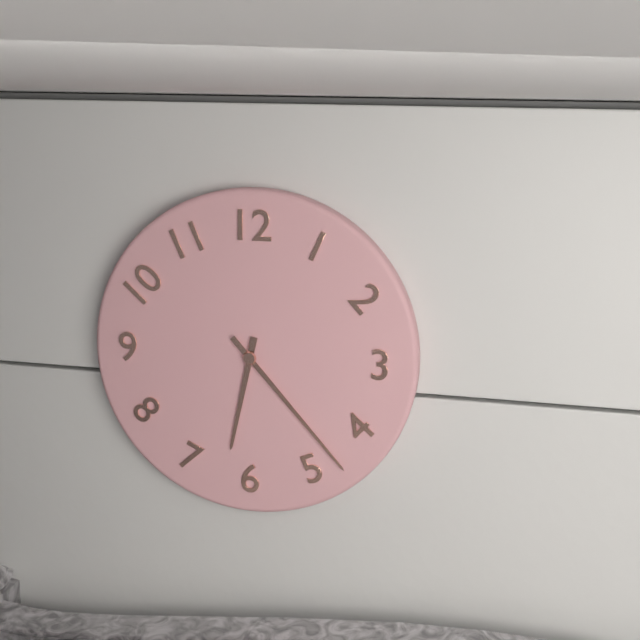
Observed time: 6:23
